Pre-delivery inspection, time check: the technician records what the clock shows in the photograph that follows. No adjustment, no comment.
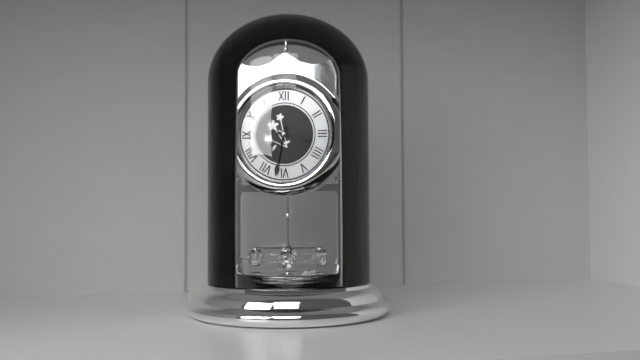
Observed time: 3:32
